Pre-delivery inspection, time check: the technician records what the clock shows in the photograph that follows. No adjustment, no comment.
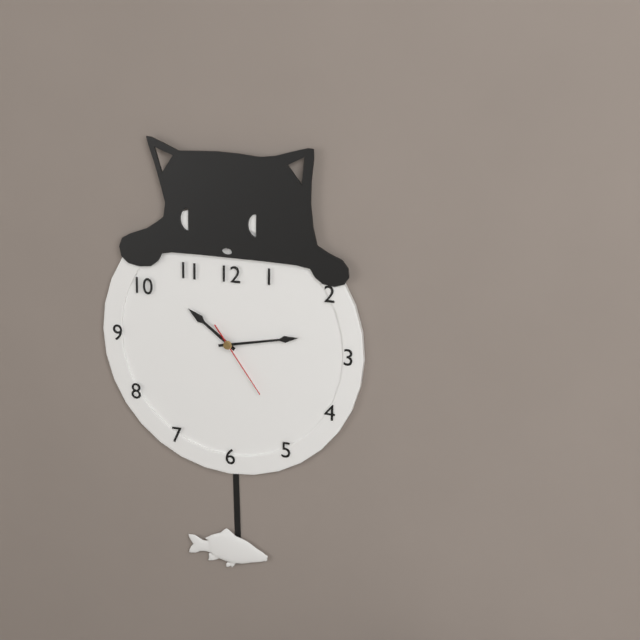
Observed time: 10:13:24
